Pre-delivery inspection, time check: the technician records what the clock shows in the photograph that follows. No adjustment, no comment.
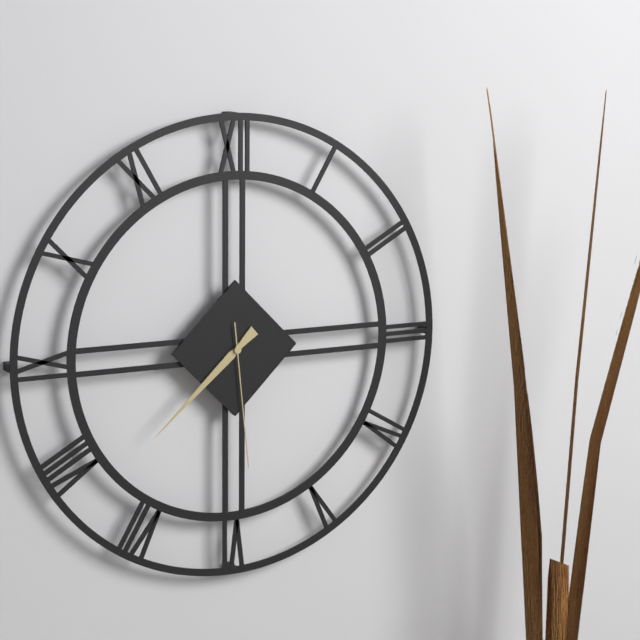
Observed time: 7:38:29
